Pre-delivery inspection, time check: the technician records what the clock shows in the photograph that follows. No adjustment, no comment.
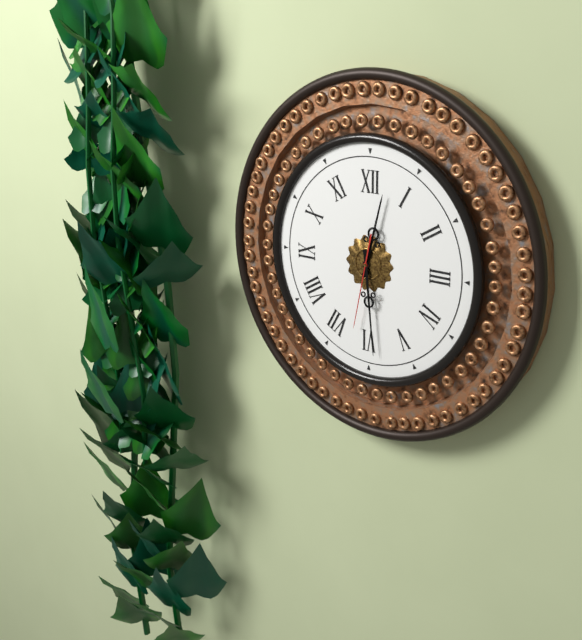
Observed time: 12:29:32
